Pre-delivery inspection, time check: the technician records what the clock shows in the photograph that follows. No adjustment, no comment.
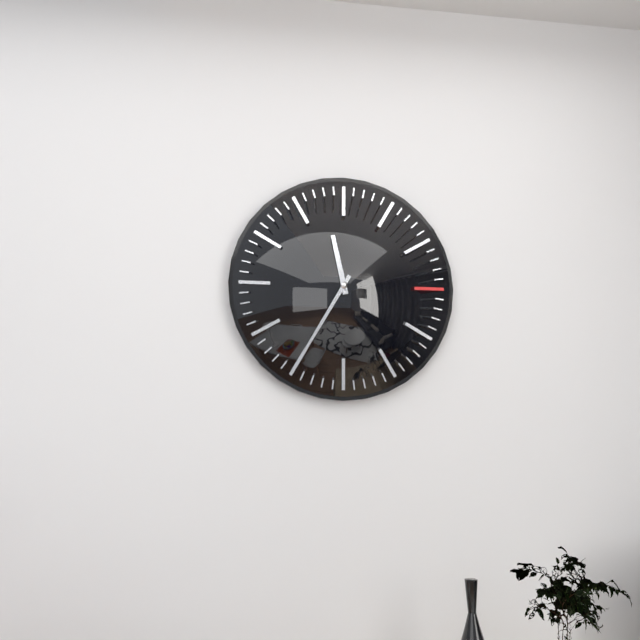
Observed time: 11:35
